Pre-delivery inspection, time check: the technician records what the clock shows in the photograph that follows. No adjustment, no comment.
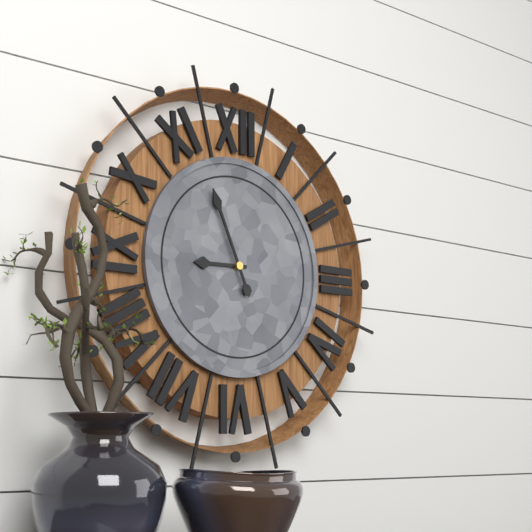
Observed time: 8:56
